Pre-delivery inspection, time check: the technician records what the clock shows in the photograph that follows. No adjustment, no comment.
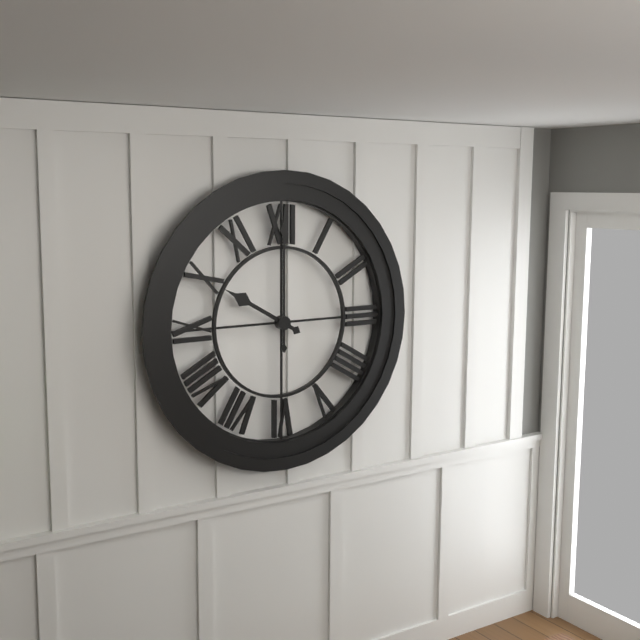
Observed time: 10:00
